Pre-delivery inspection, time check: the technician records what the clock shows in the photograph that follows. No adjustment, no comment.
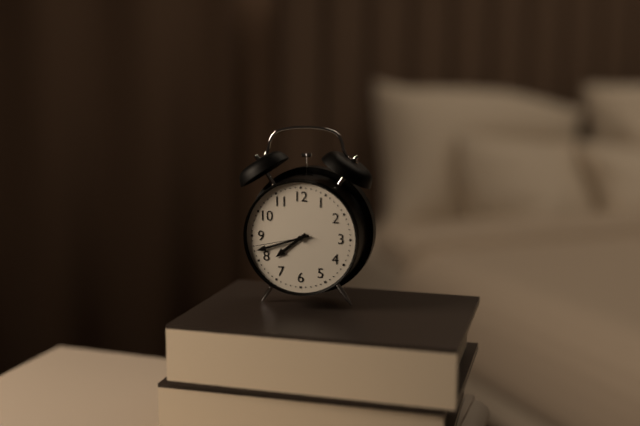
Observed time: 7:42:43
